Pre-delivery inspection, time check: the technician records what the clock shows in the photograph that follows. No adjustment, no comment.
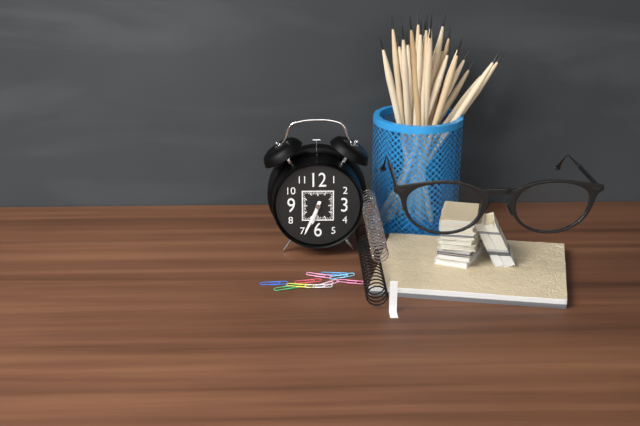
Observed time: 6:34
